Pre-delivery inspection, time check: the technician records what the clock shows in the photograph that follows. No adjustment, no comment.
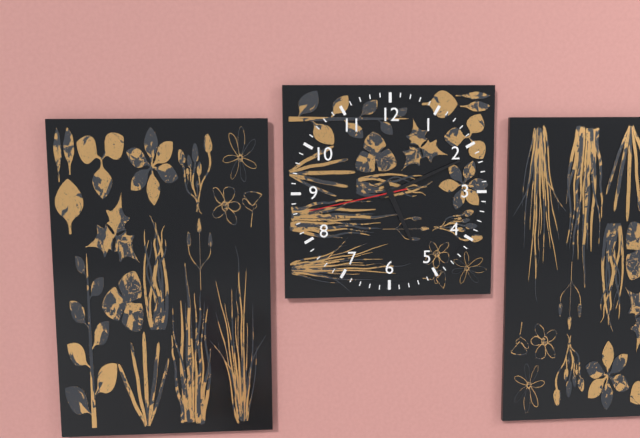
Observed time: 5:11:43
